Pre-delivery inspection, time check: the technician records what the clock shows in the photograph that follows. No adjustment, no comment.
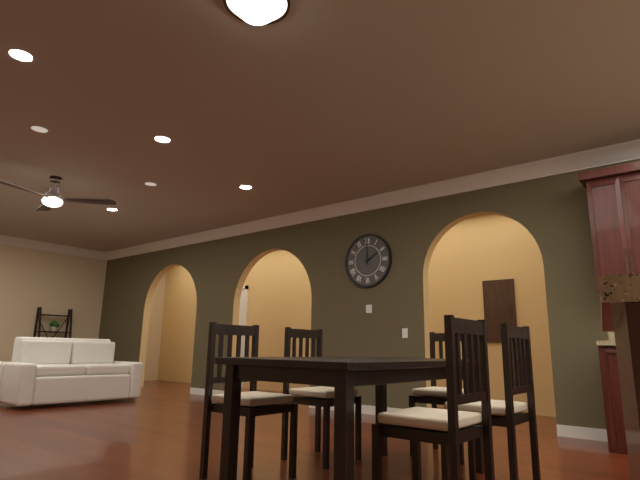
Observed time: 2:00
